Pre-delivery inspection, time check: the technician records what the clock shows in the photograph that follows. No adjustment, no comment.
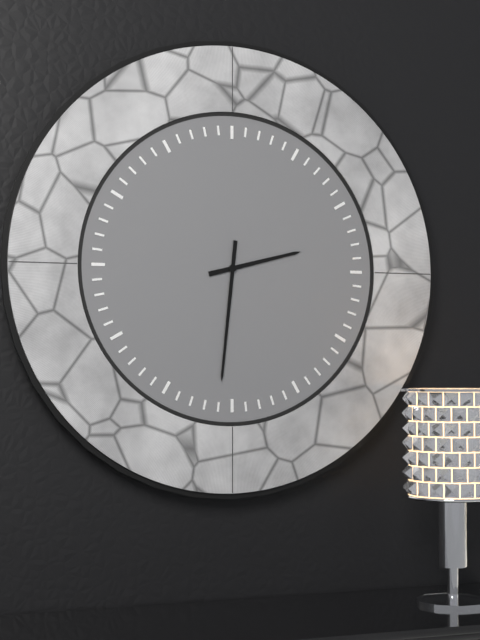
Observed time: 2:31
